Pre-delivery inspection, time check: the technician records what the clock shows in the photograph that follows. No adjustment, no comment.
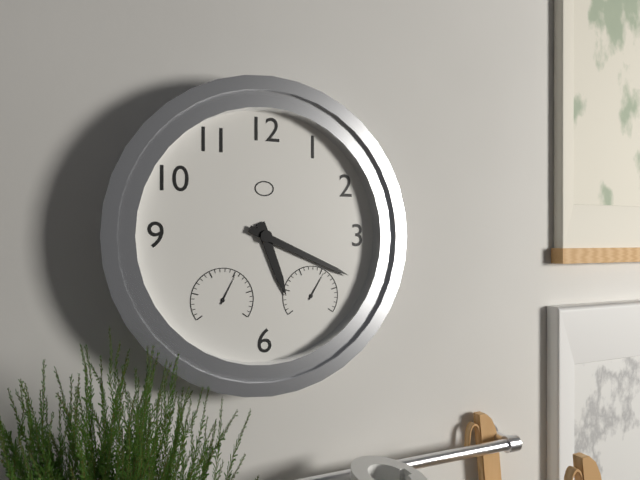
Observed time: 5:19
